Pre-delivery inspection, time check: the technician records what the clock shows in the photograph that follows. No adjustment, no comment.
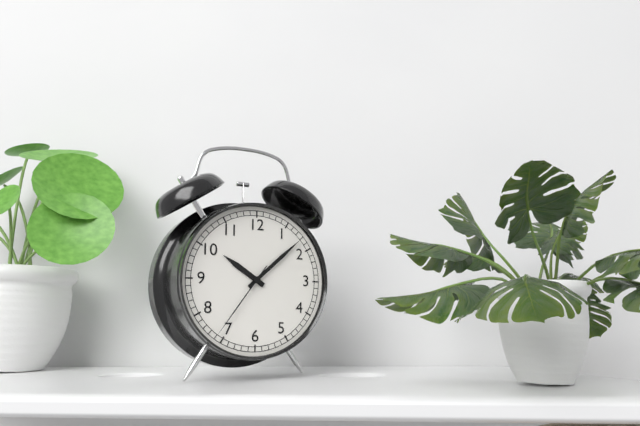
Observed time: 10:08:36
